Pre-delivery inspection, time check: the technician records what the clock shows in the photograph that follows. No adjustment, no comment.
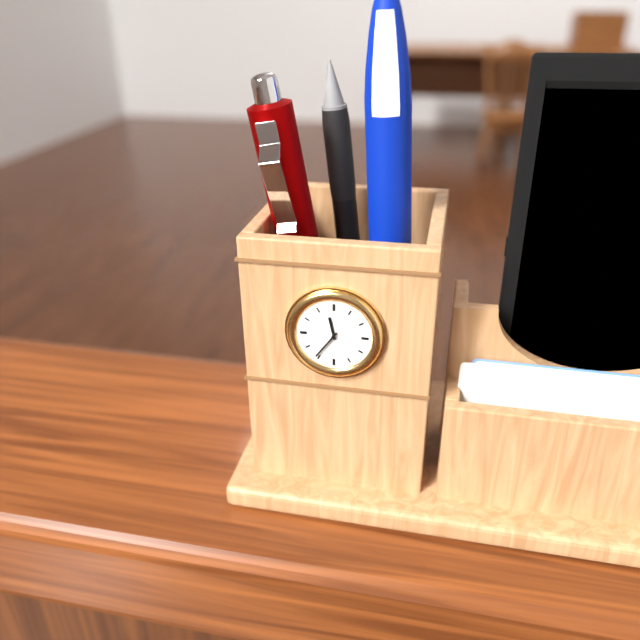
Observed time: 11:36
